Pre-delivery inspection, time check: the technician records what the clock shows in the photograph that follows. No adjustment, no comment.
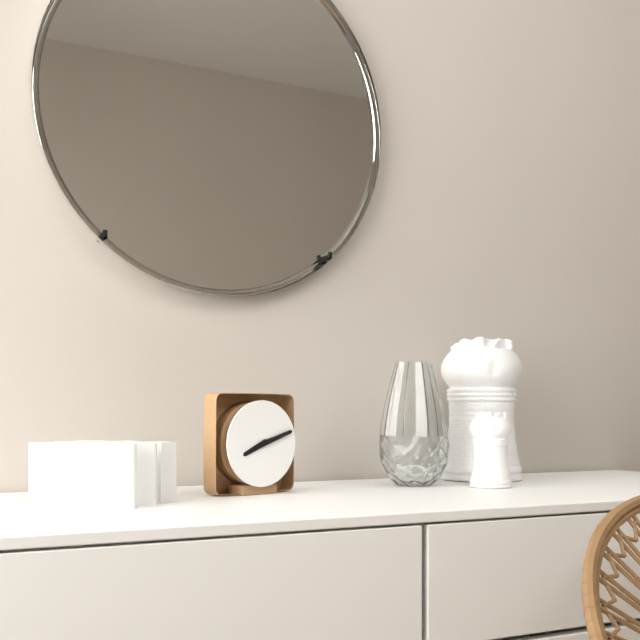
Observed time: 8:12
